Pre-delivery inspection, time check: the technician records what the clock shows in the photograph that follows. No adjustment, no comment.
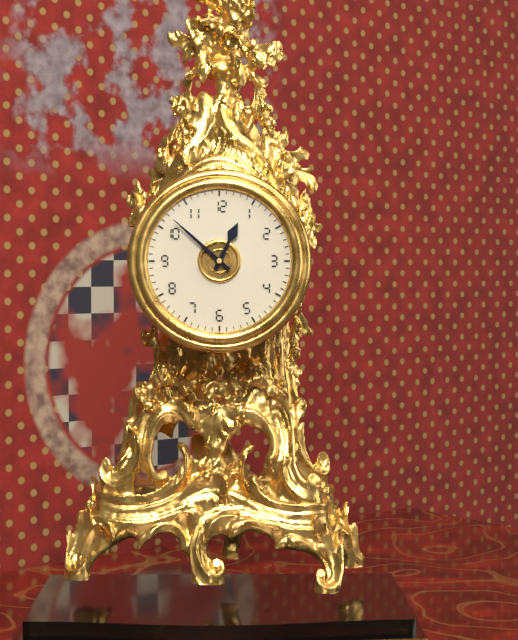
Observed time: 12:52
